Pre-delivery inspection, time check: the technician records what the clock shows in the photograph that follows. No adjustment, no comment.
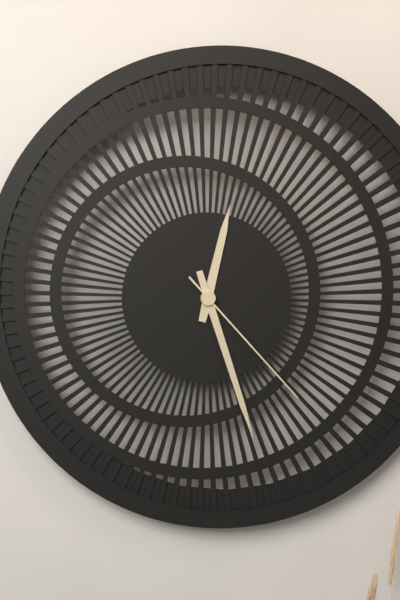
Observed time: 12:27:23
